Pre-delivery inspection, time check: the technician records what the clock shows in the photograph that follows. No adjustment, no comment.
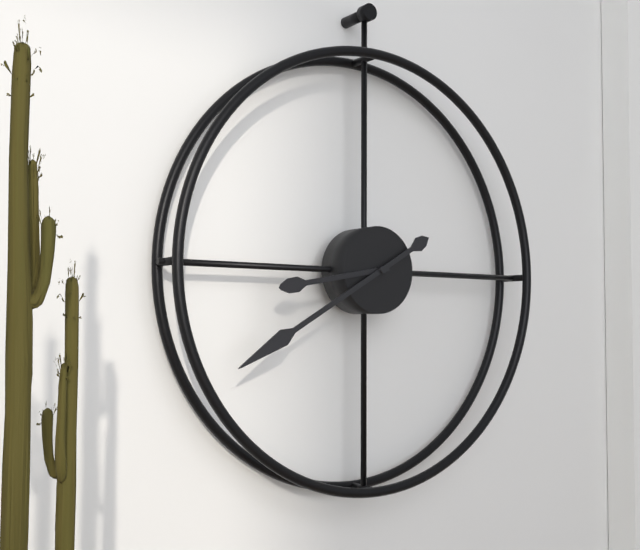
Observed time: 8:40
